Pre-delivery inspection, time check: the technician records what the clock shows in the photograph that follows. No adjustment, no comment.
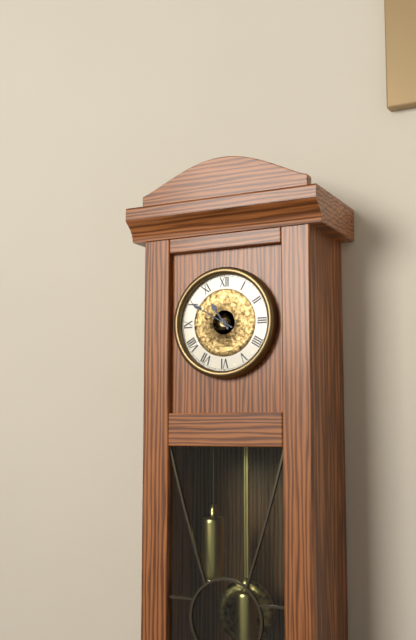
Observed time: 10:50
